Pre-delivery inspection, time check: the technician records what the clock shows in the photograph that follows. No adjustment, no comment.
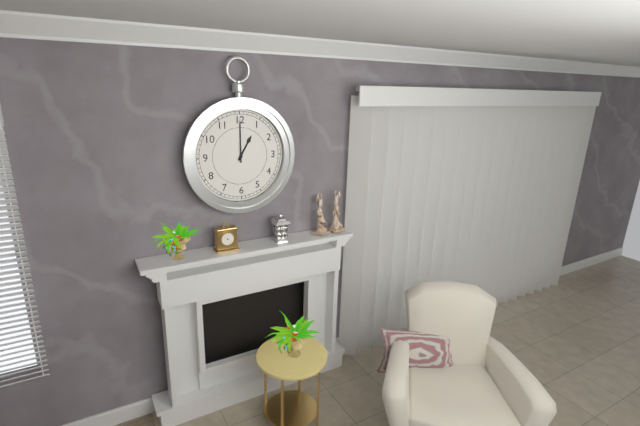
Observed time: 1:00
